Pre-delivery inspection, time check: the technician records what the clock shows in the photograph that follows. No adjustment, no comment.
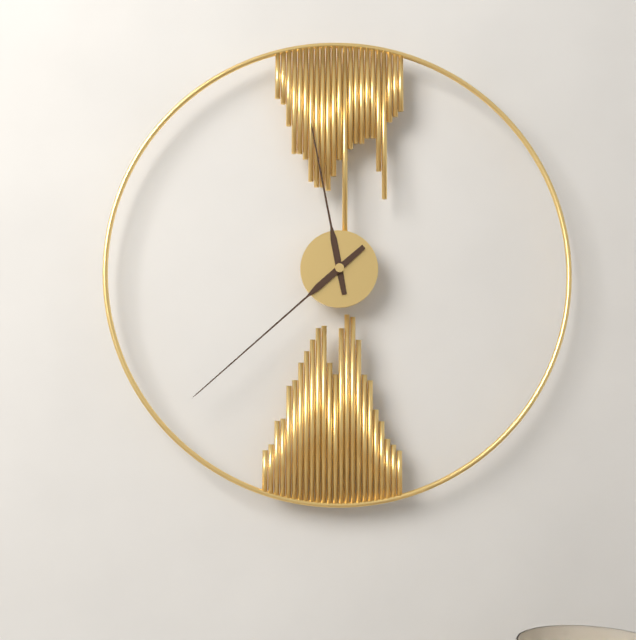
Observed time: 11:38
